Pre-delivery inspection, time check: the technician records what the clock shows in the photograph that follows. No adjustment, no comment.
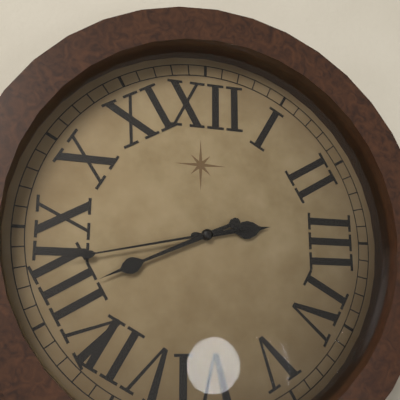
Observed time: 2:41:43
